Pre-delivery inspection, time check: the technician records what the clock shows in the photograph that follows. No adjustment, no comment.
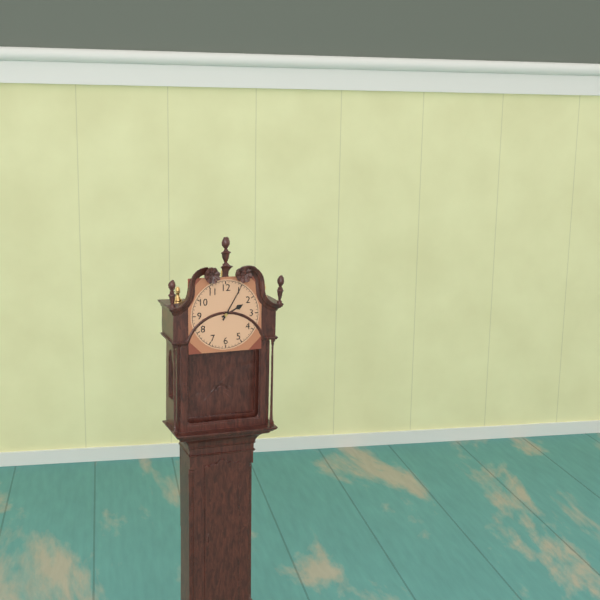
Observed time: 2:05
